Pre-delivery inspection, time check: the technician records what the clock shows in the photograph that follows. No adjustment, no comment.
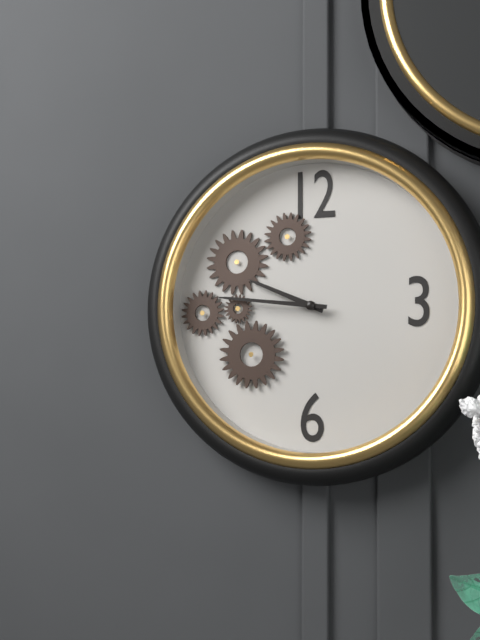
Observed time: 9:46
